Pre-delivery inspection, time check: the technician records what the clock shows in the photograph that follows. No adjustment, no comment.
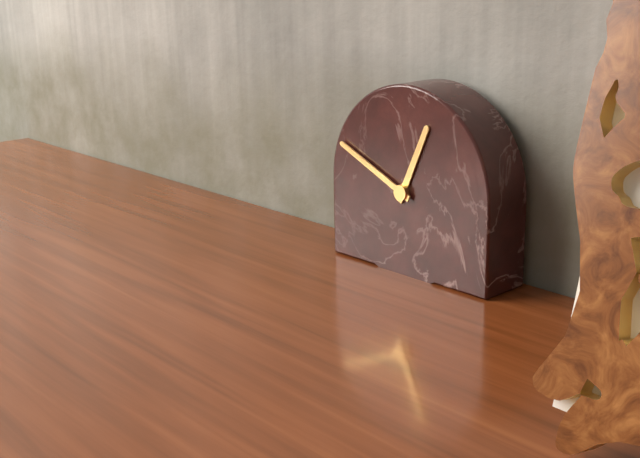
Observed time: 12:49
